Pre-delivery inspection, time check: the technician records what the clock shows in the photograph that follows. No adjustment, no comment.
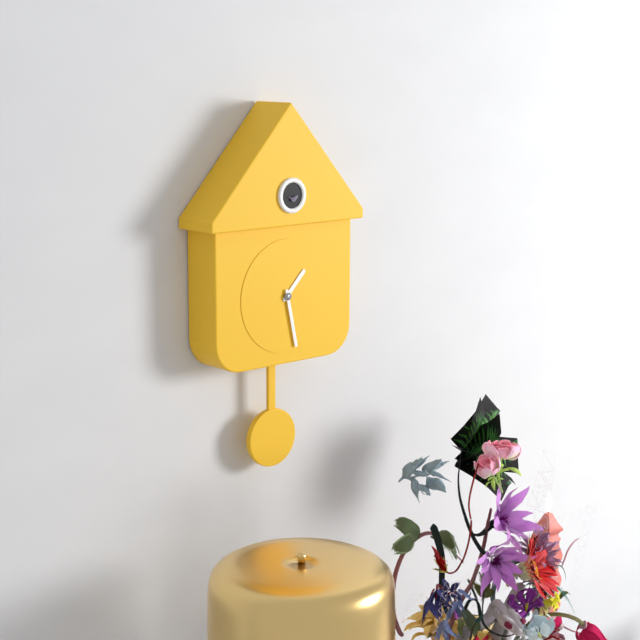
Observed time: 1:28
